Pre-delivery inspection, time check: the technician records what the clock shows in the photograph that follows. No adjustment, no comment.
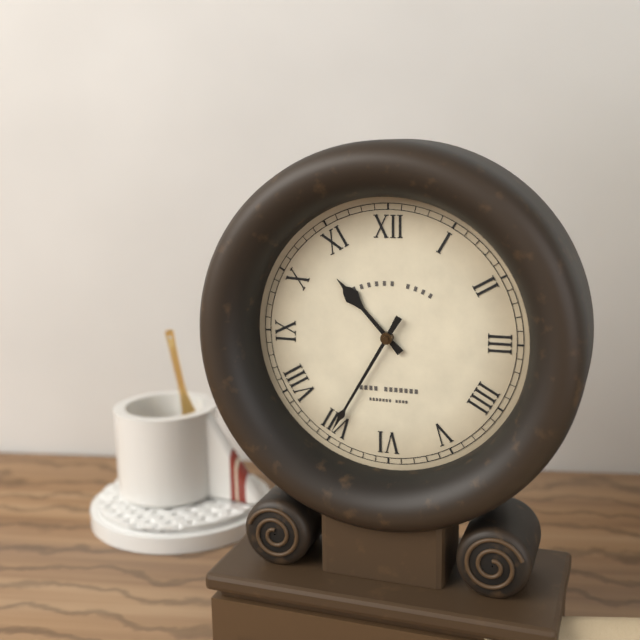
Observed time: 10:35
